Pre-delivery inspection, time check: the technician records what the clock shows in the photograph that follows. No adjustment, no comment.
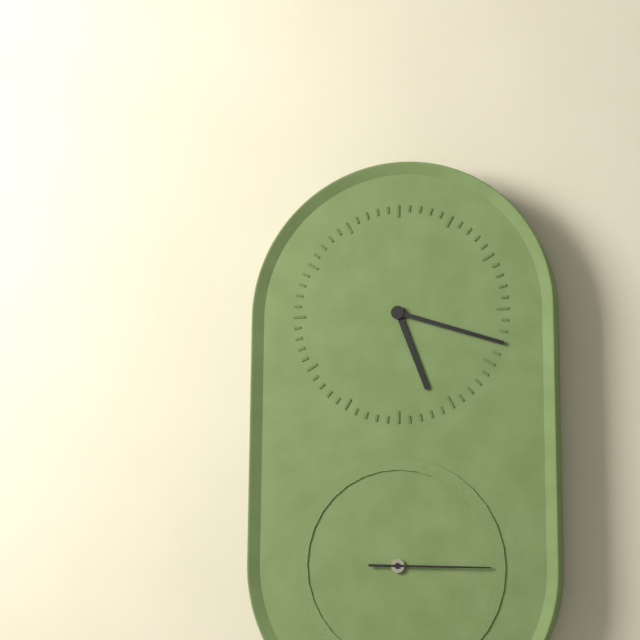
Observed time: 5:18:15
